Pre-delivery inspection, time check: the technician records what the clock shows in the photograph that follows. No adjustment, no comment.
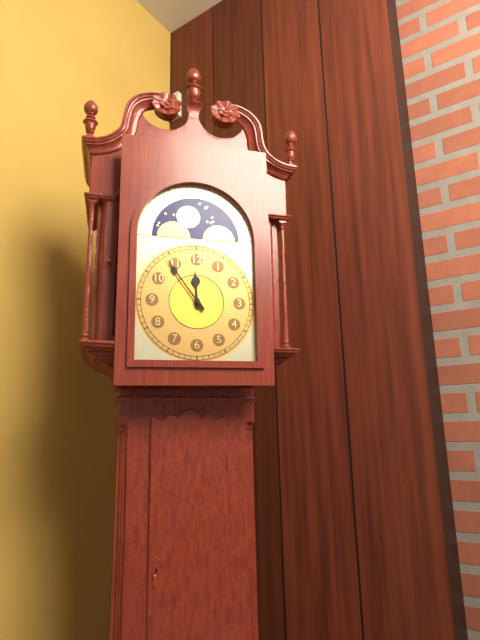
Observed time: 11:54
